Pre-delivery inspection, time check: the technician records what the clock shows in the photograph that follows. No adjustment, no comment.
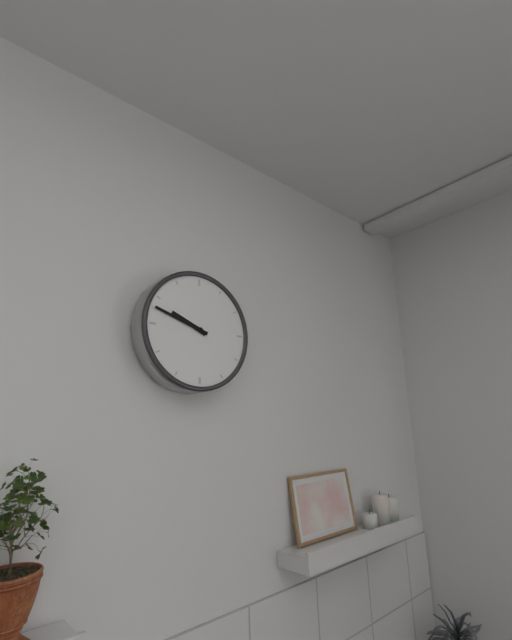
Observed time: 9:48
